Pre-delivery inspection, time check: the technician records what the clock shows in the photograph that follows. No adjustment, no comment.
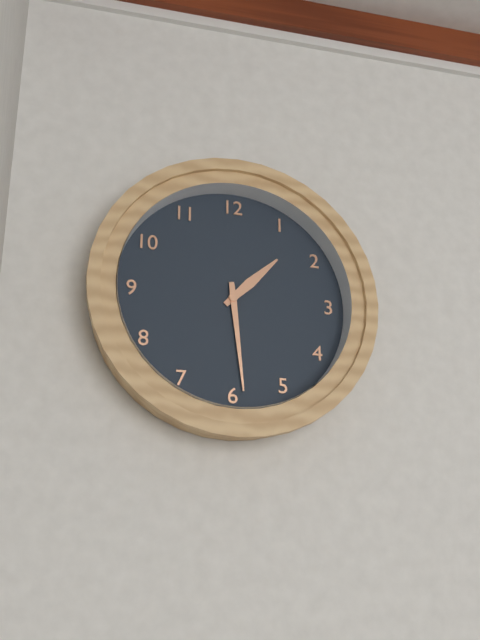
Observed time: 1:29
